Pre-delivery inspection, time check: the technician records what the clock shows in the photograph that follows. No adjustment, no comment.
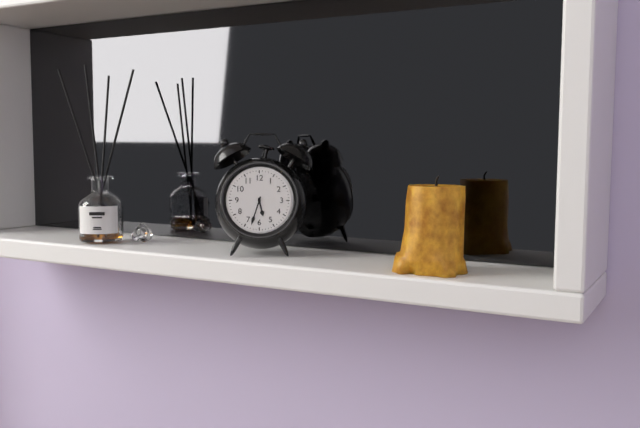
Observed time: 5:33
